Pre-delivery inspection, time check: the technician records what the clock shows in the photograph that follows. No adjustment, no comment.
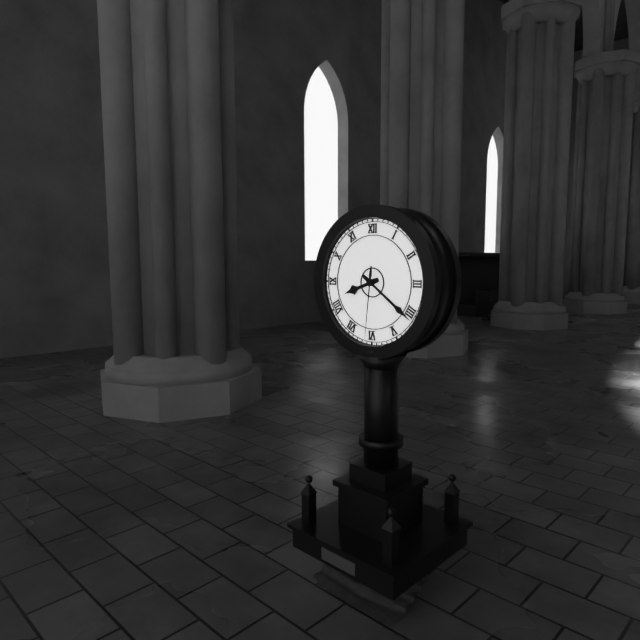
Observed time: 8:21:31
